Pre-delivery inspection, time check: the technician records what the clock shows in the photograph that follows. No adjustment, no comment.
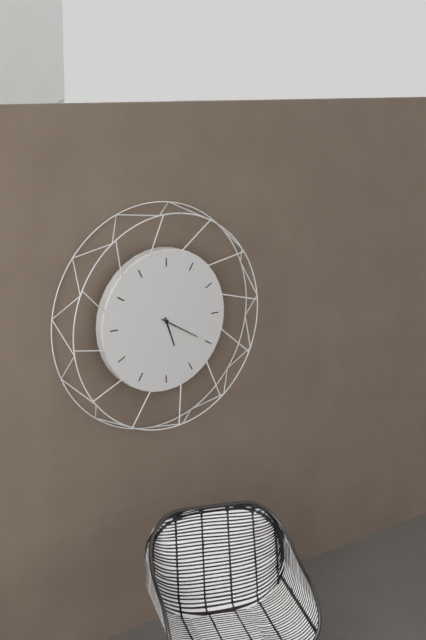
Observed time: 5:20
